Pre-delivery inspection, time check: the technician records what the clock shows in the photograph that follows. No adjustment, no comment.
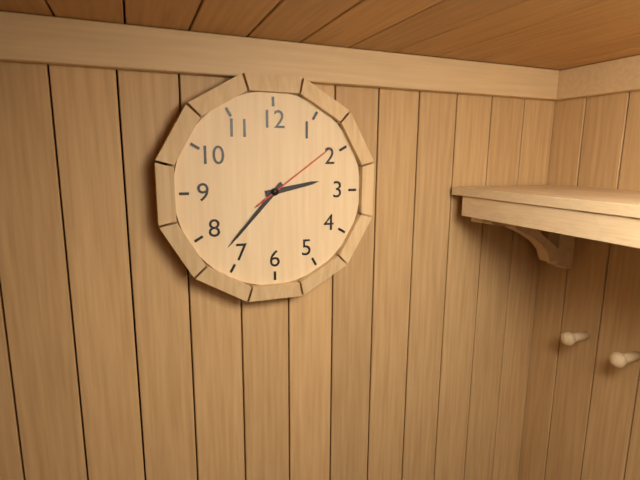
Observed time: 2:37:09
